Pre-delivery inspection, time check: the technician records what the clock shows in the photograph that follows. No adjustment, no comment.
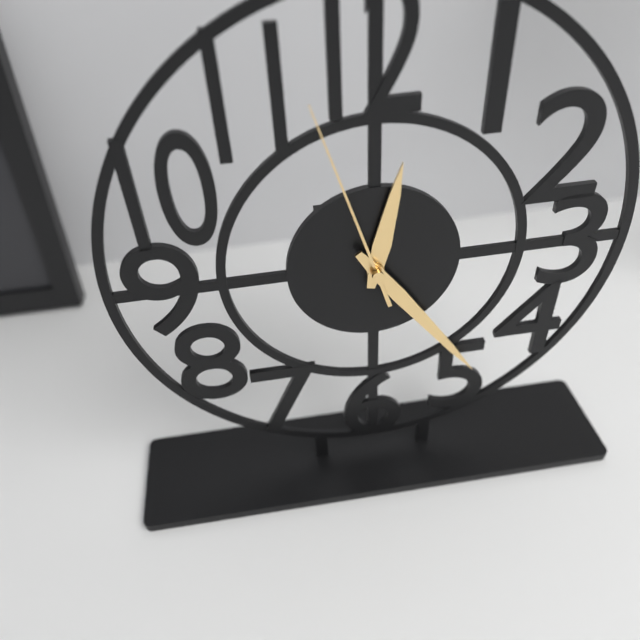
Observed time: 12:24:57
